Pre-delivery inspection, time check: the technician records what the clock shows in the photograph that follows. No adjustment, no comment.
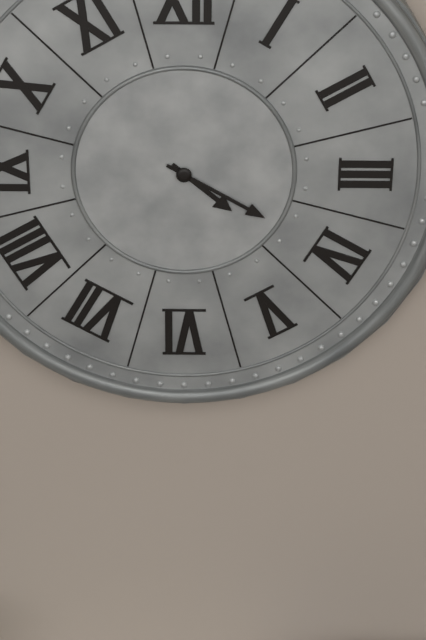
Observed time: 4:20
